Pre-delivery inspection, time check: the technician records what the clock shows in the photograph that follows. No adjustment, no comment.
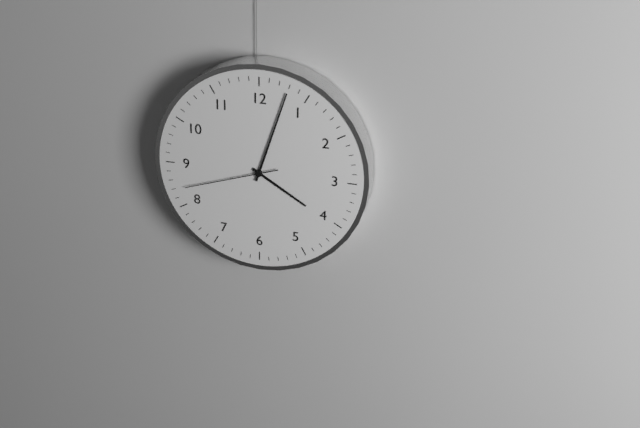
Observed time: 4:03:42
